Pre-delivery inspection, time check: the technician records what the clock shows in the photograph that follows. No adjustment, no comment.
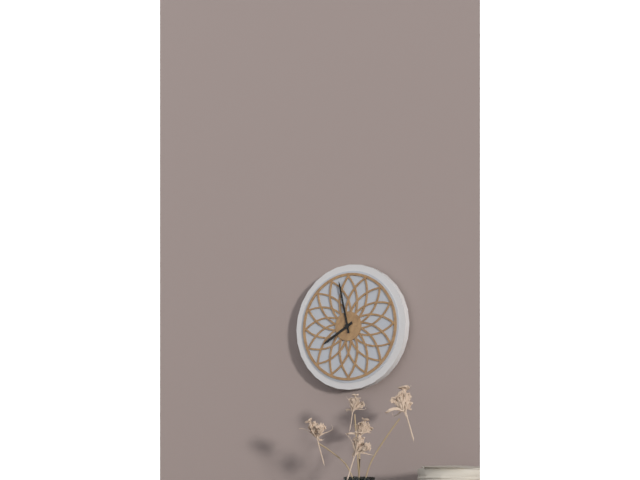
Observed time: 7:58
